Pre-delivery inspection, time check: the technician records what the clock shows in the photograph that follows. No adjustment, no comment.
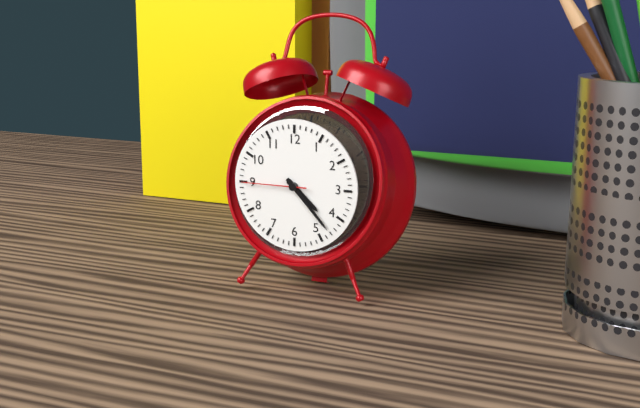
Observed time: 4:23:45
